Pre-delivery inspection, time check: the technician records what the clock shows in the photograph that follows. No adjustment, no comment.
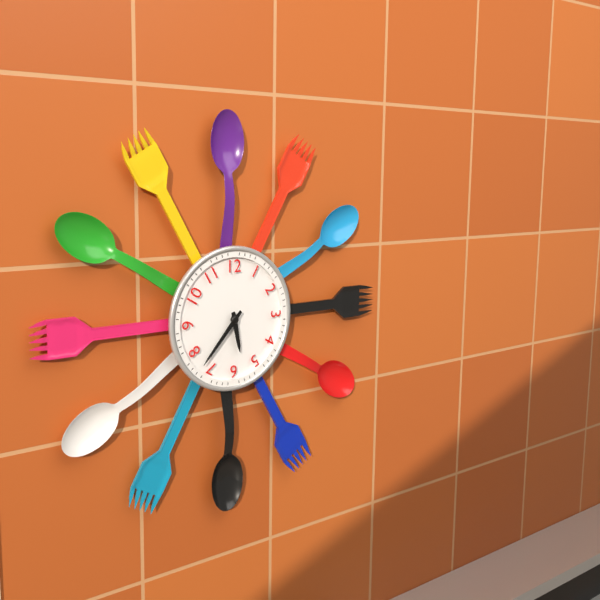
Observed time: 5:37
